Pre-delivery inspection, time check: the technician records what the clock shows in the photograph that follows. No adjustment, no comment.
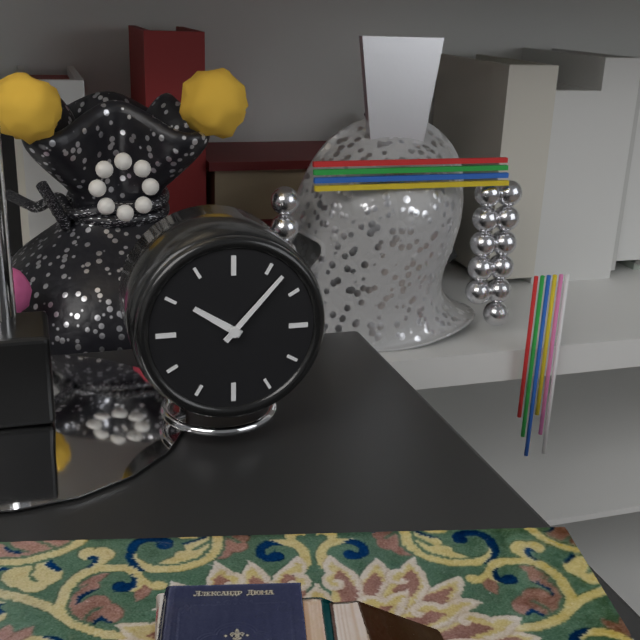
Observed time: 10:07
